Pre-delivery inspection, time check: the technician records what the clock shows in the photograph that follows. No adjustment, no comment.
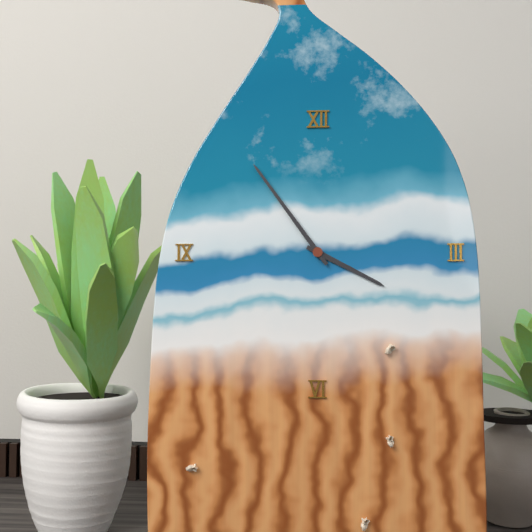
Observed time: 3:54
